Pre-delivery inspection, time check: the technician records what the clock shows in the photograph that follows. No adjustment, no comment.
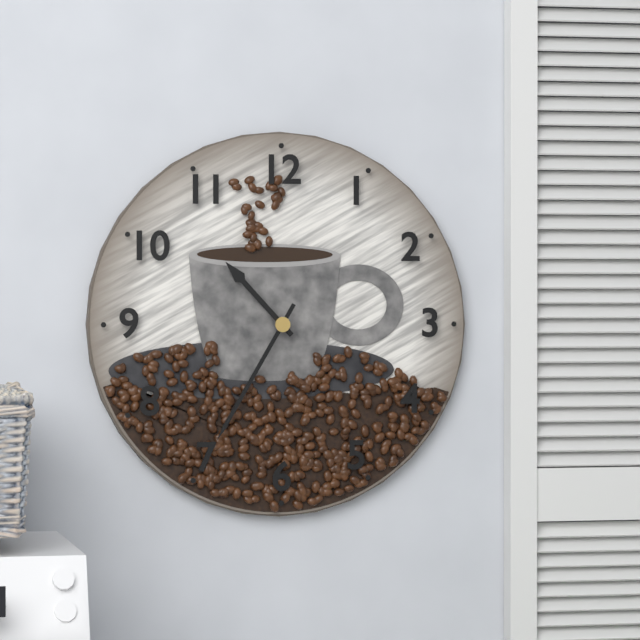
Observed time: 10:35
